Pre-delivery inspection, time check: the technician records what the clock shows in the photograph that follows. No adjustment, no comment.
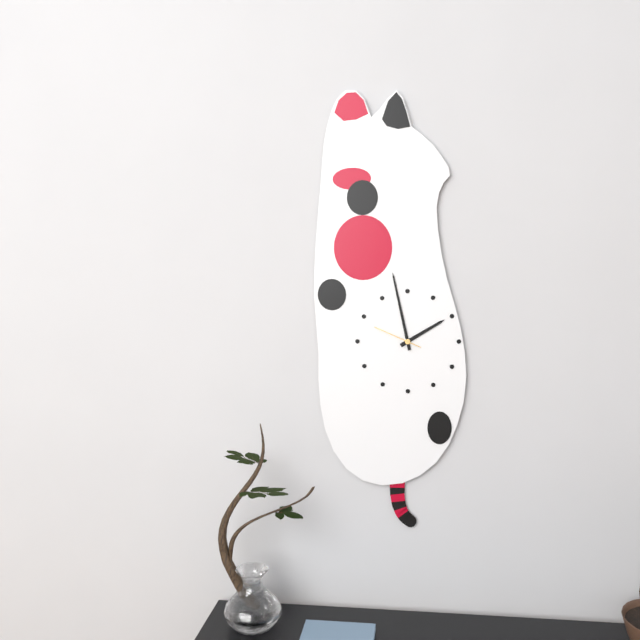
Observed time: 1:58
